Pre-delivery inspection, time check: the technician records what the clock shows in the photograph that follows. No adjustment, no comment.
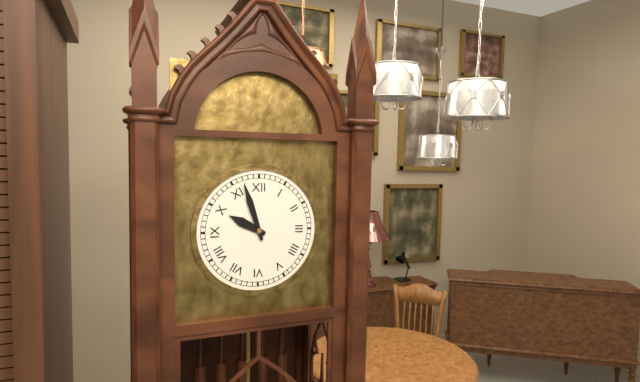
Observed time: 9:57
